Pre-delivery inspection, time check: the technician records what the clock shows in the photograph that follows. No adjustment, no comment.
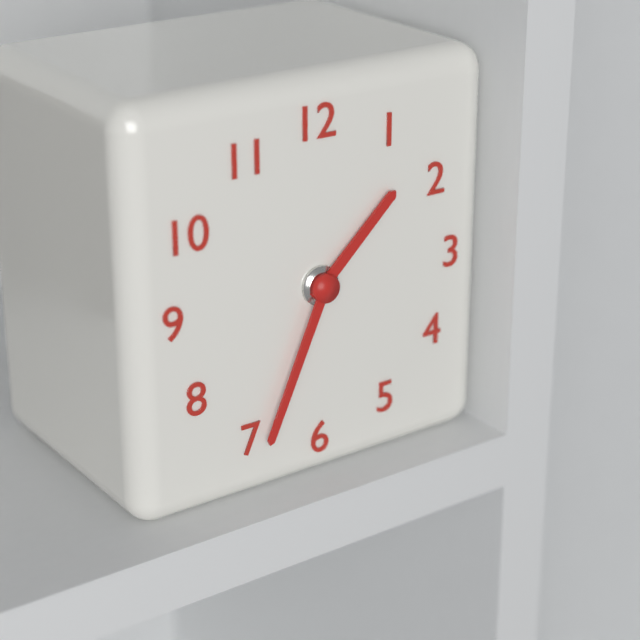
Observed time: 1:34
